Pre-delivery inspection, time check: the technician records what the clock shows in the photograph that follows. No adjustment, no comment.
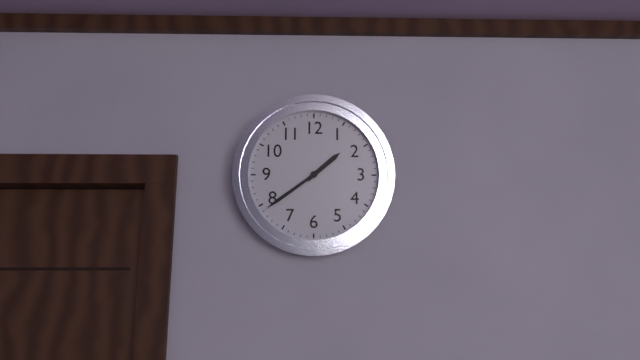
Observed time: 1:39
